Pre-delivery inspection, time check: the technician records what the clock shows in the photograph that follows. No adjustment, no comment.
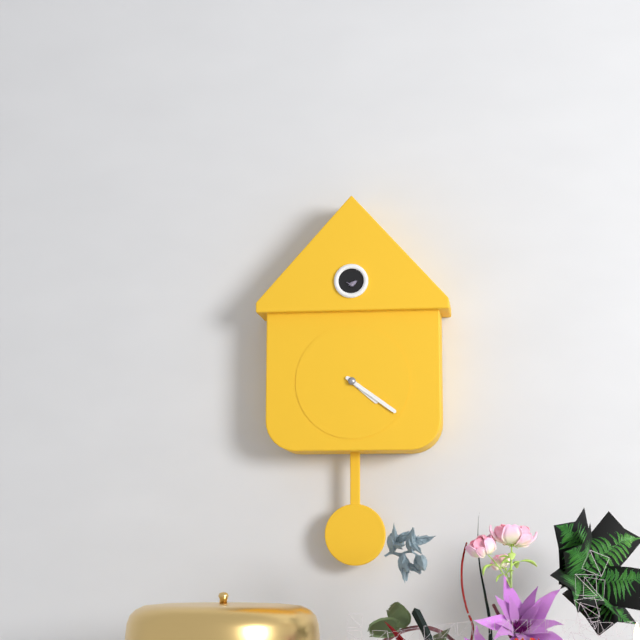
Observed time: 4:21
